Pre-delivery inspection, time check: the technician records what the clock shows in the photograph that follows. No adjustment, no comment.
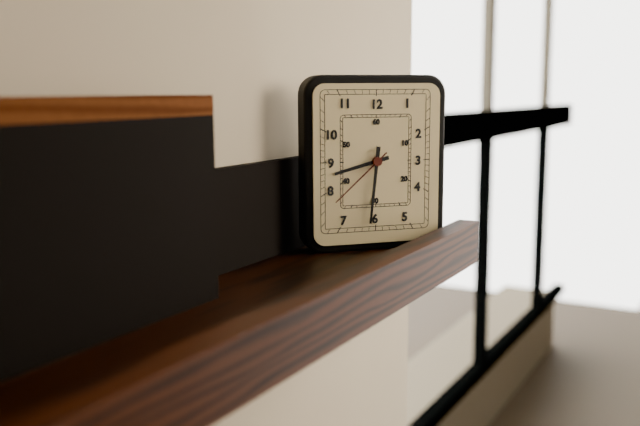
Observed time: 8:31:38
